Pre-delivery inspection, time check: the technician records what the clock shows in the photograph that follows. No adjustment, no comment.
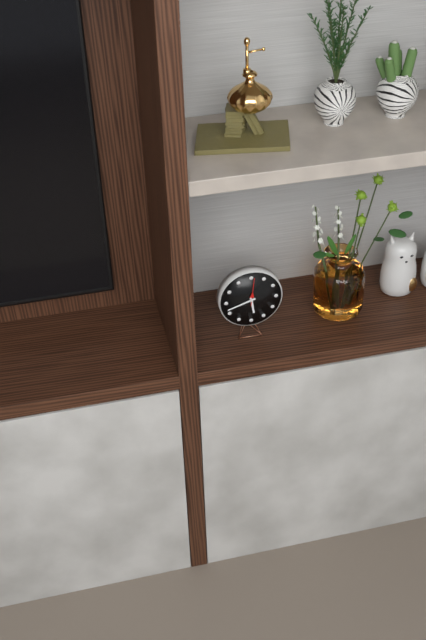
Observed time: 5:42
